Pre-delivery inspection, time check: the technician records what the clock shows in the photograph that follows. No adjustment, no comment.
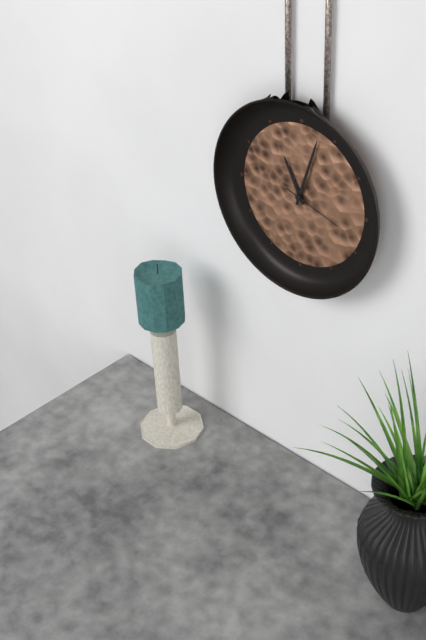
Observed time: 11:03:18
